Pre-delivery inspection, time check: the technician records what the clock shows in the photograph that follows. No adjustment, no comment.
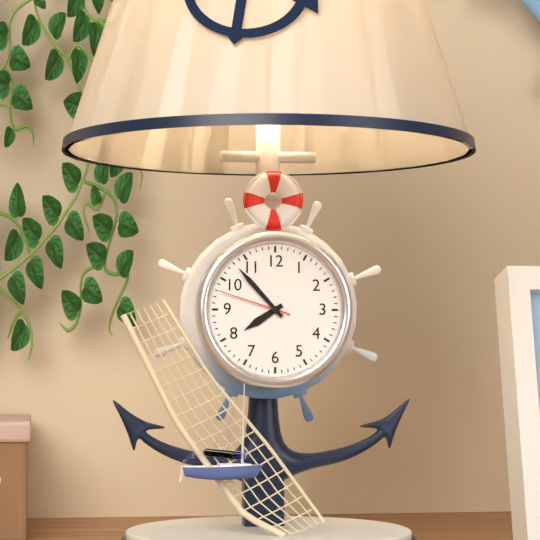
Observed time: 7:53:48
